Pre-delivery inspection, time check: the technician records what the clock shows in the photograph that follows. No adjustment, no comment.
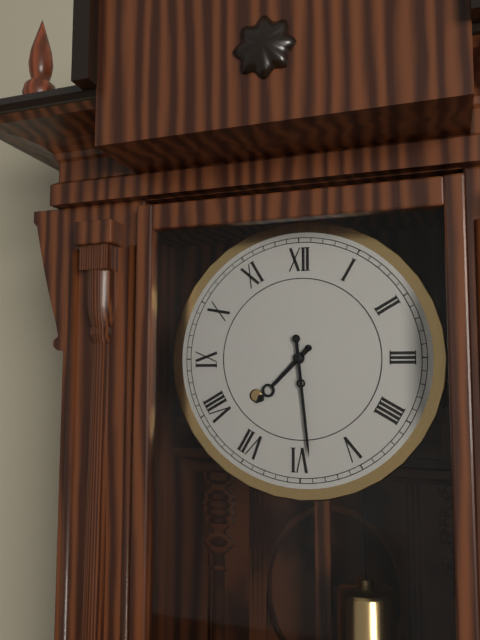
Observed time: 7:29
